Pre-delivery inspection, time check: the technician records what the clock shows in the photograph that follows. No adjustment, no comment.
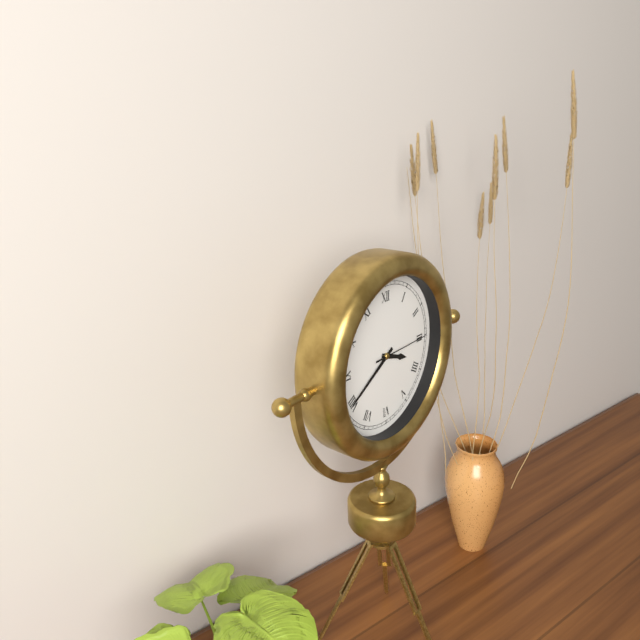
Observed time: 3:40:15
